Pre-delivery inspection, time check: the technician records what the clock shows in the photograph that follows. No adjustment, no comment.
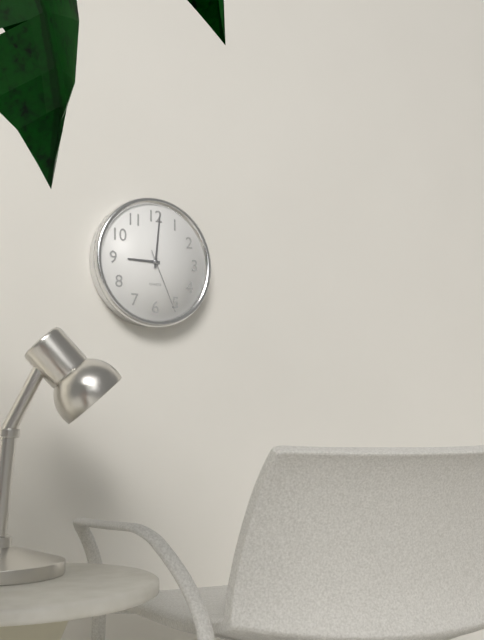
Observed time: 9:01:26
